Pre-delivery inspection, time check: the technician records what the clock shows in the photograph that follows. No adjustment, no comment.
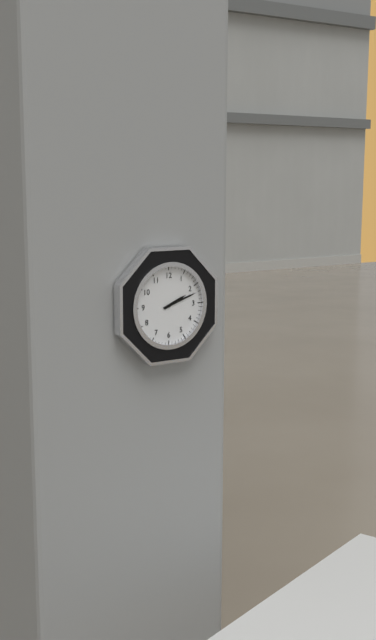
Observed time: 2:12
